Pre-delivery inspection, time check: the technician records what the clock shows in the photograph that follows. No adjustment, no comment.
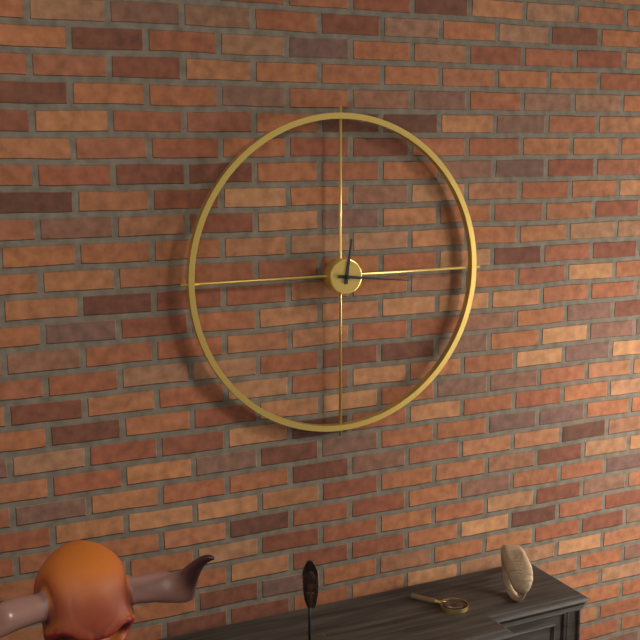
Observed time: 12:16
